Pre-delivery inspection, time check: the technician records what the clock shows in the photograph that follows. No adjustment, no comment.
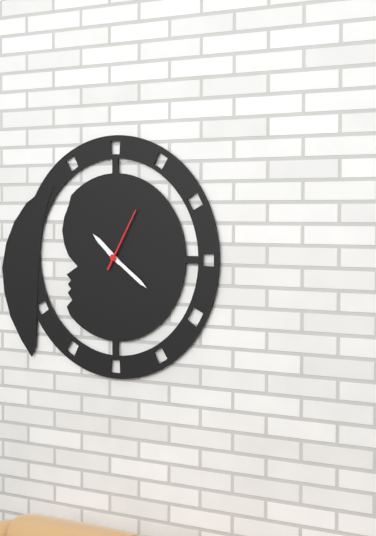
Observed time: 10:21:05
